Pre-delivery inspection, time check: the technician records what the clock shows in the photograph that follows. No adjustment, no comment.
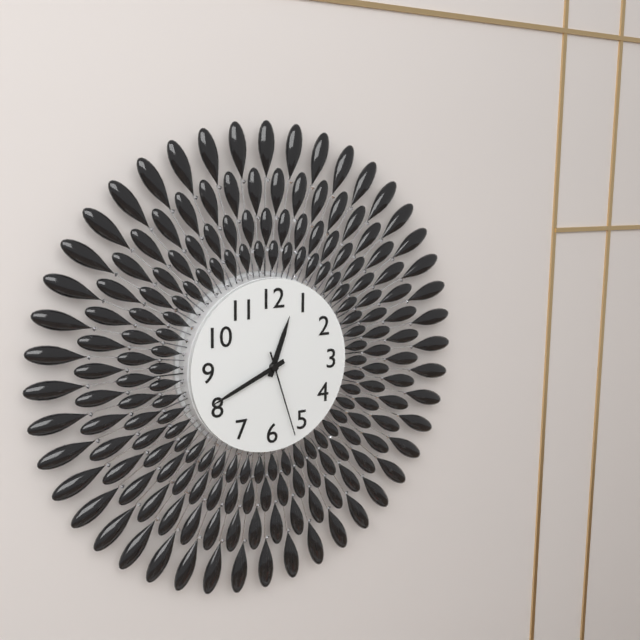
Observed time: 12:41:27
